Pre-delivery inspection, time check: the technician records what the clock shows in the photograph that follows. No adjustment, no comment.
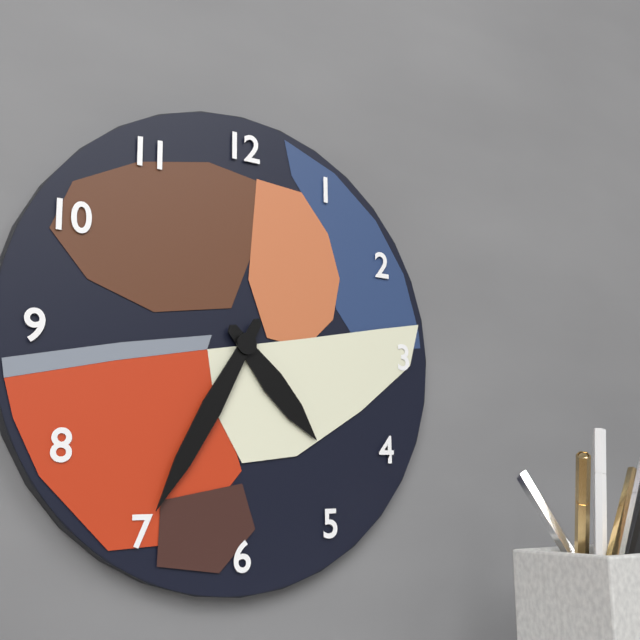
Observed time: 4:35
